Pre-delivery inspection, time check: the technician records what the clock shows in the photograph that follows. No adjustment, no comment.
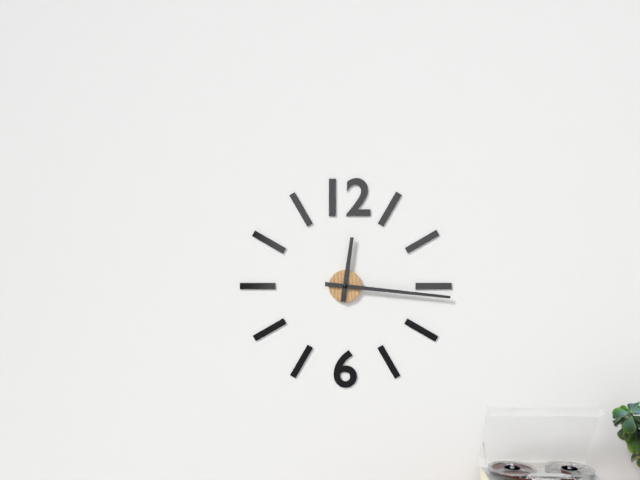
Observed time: 12:16
